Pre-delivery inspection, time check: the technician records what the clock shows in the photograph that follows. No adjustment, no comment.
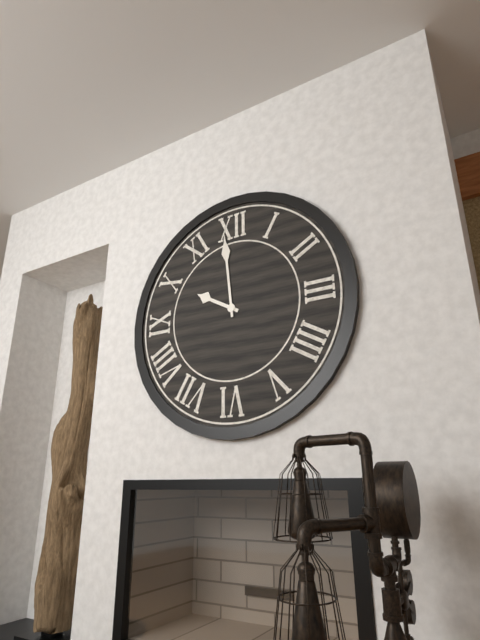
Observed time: 9:59
